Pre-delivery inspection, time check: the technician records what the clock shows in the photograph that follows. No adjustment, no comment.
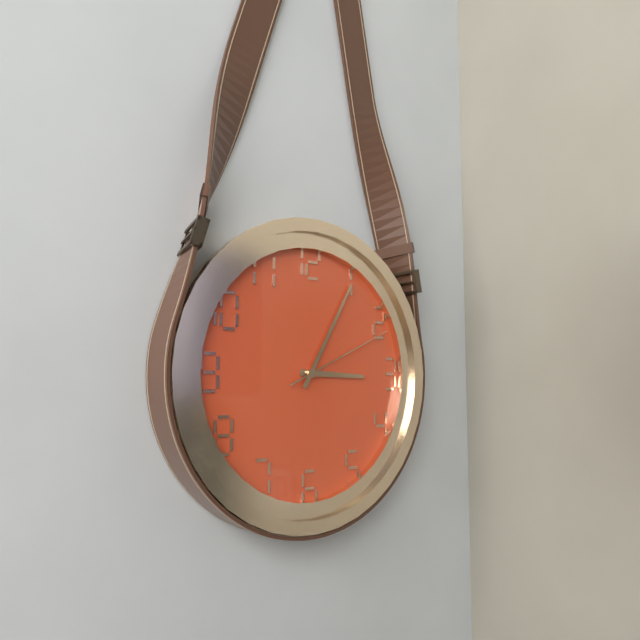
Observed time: 3:05:11
